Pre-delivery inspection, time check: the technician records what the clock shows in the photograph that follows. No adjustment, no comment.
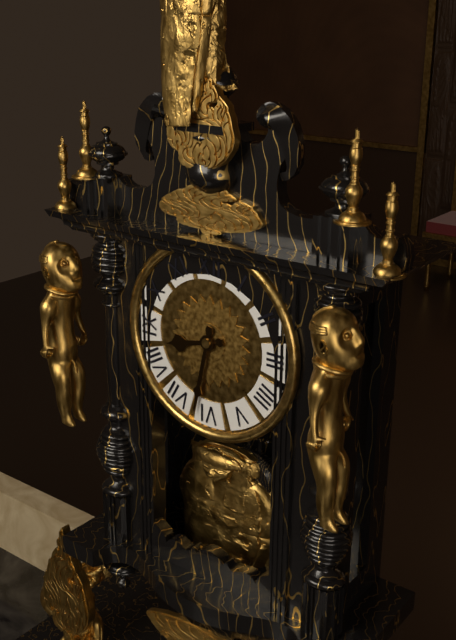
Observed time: 8:32
